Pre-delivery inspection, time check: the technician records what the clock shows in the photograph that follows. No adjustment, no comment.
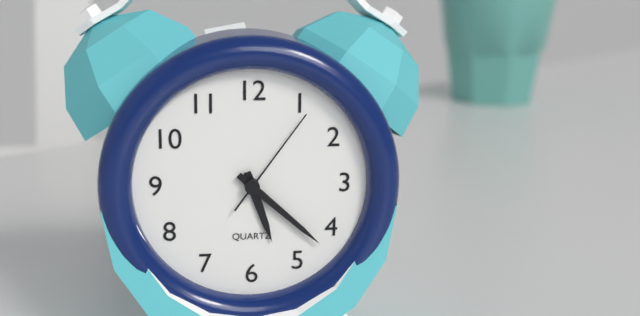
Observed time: 5:22:06
